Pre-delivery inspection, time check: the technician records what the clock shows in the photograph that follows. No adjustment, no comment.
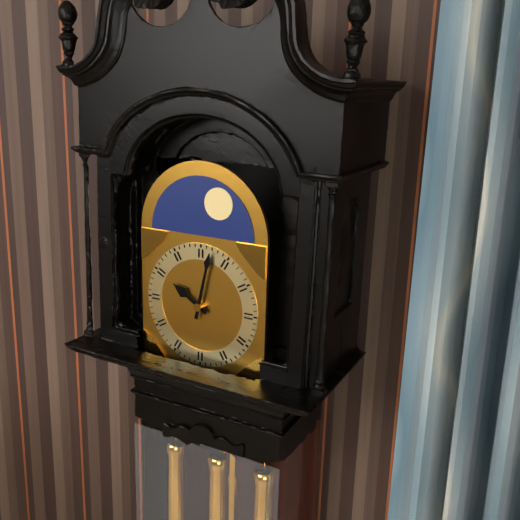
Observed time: 10:02
